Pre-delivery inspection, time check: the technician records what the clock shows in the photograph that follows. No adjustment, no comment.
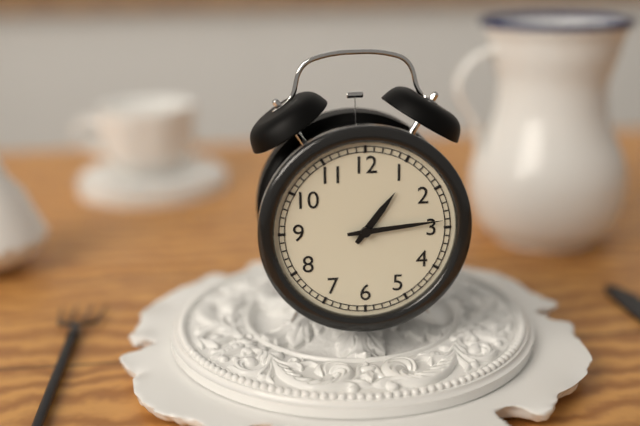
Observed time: 1:14
